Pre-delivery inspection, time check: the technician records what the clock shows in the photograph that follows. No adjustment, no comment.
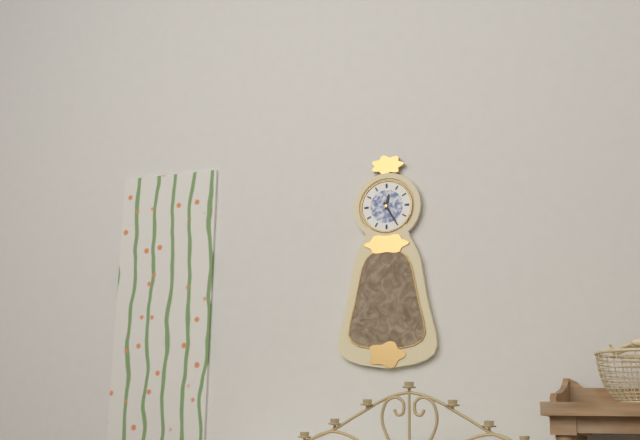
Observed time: 12:25
